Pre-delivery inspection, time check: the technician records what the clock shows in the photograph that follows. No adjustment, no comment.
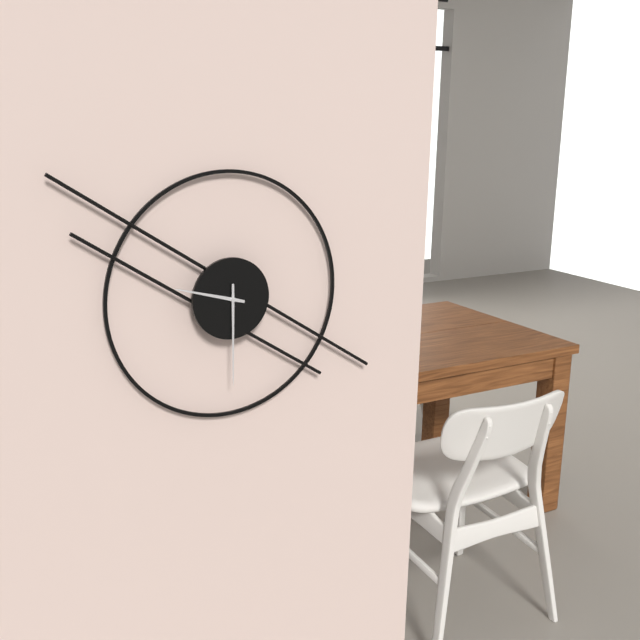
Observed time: 9:30
